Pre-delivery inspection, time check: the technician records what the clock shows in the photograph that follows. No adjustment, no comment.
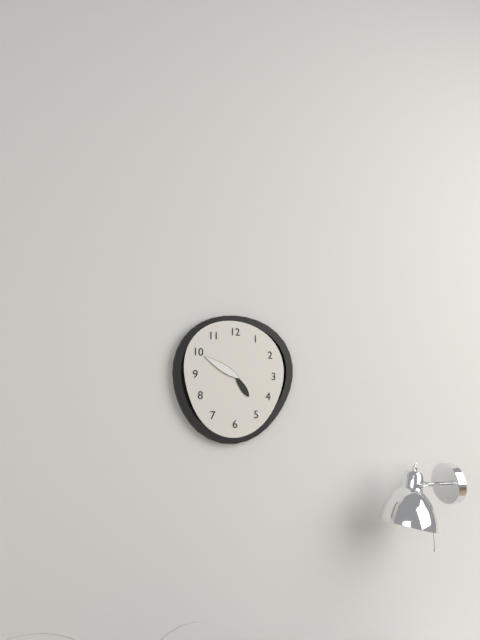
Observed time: 4:50
